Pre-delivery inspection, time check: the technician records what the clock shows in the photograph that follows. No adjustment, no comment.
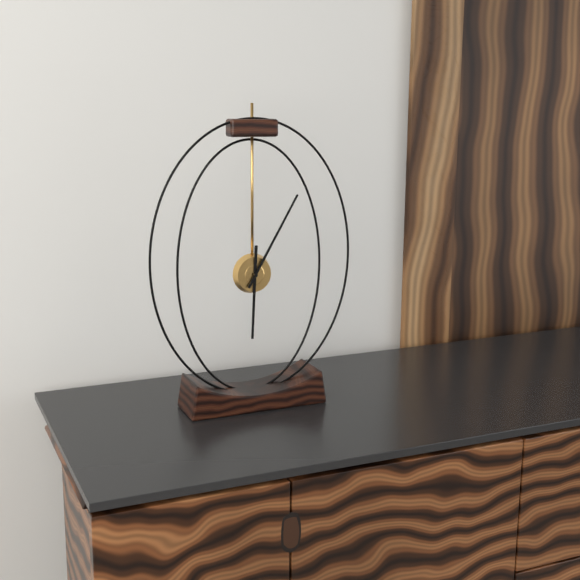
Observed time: 6:05
